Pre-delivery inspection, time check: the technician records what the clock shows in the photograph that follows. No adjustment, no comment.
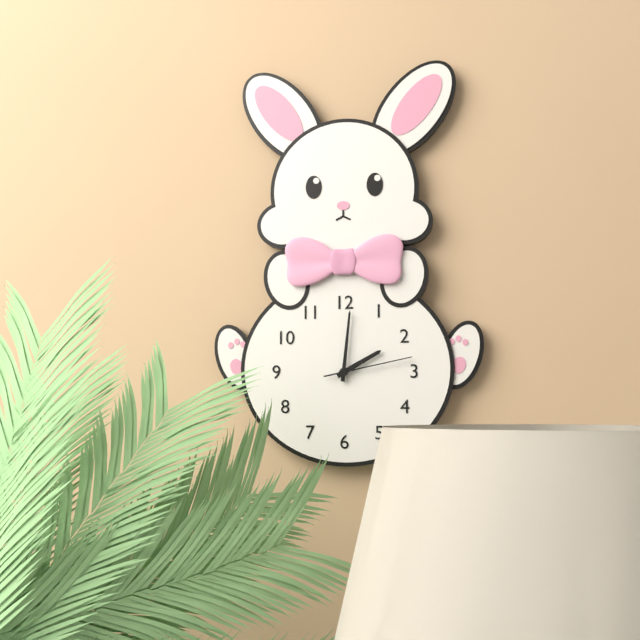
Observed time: 2:01:13
